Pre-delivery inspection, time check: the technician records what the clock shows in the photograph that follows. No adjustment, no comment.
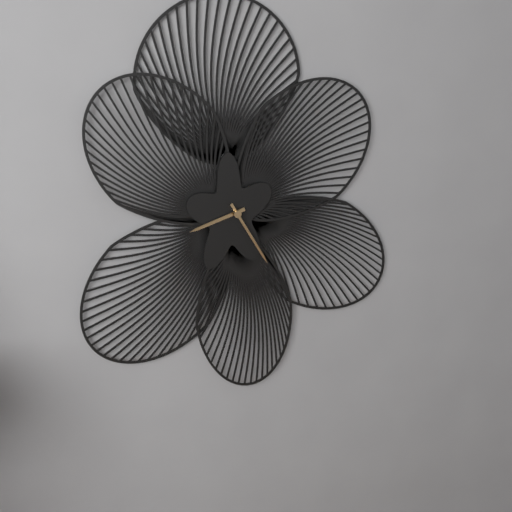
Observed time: 8:25
